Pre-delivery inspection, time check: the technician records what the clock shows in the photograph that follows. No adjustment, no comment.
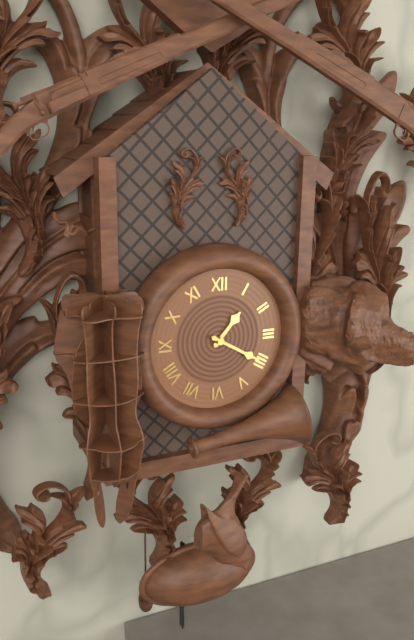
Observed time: 1:20
